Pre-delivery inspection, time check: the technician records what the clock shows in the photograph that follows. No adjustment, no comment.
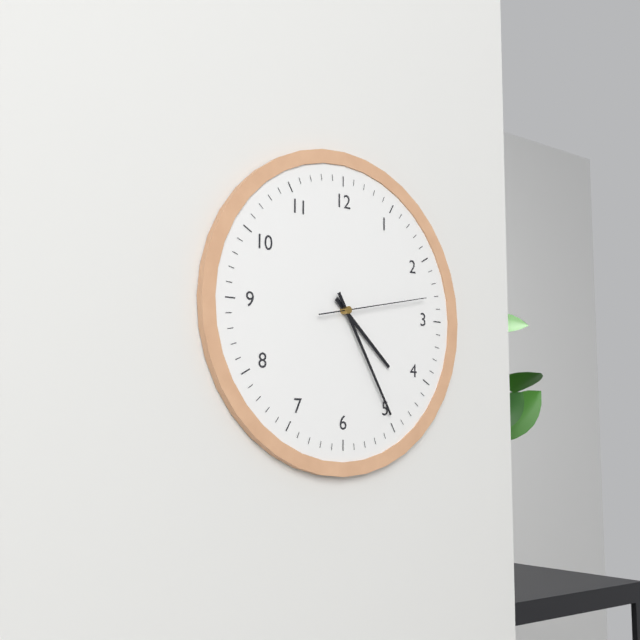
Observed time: 4:25:13
